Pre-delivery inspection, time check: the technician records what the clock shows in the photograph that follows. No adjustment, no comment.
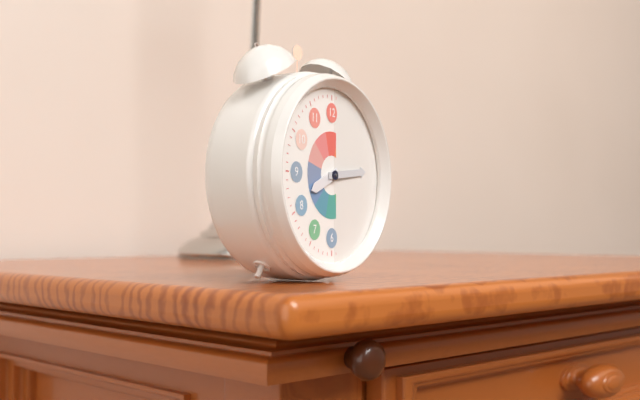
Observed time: 8:14
